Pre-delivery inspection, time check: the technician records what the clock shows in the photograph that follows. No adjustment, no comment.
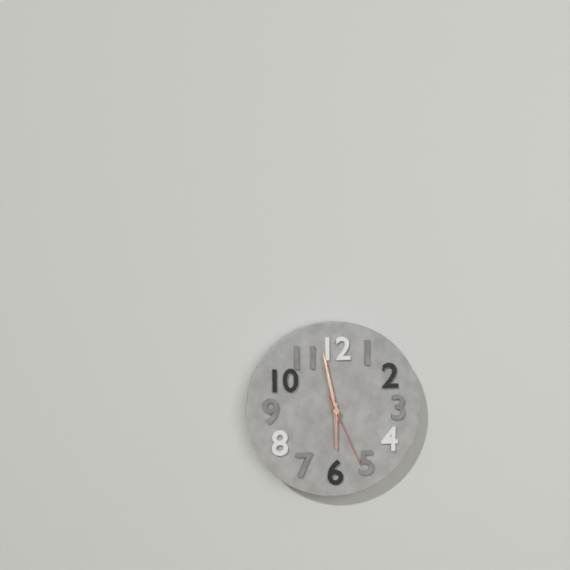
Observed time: 5:58:26
